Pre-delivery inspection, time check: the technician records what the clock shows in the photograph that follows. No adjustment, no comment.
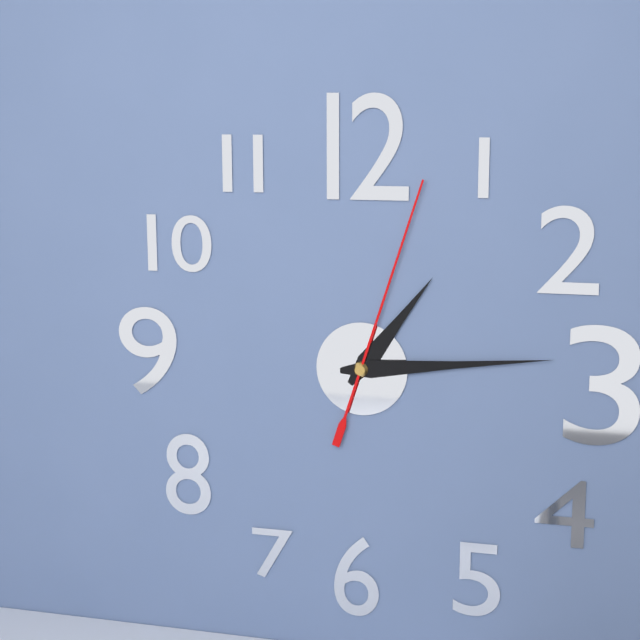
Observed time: 1:14:03
